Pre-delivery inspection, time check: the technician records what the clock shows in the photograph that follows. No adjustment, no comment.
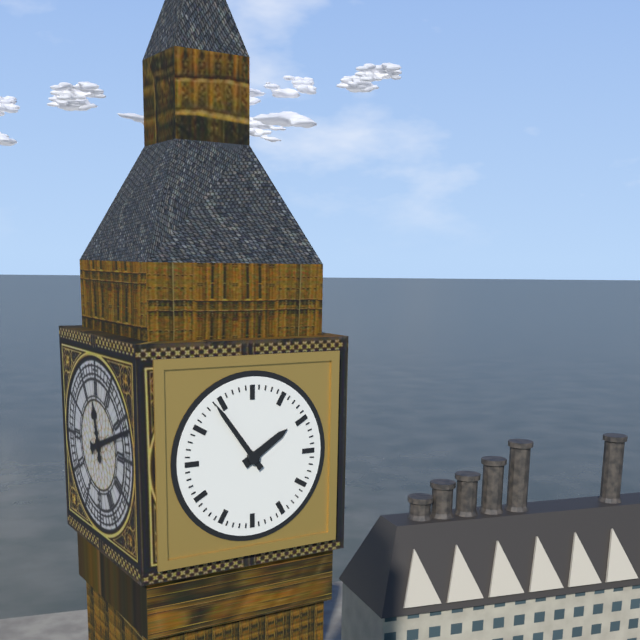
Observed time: 1:54
